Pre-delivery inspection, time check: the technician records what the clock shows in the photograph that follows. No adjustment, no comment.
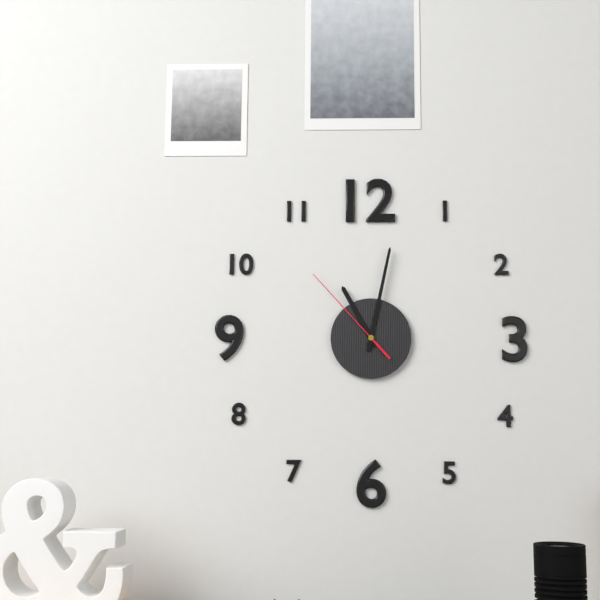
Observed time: 11:02:53
